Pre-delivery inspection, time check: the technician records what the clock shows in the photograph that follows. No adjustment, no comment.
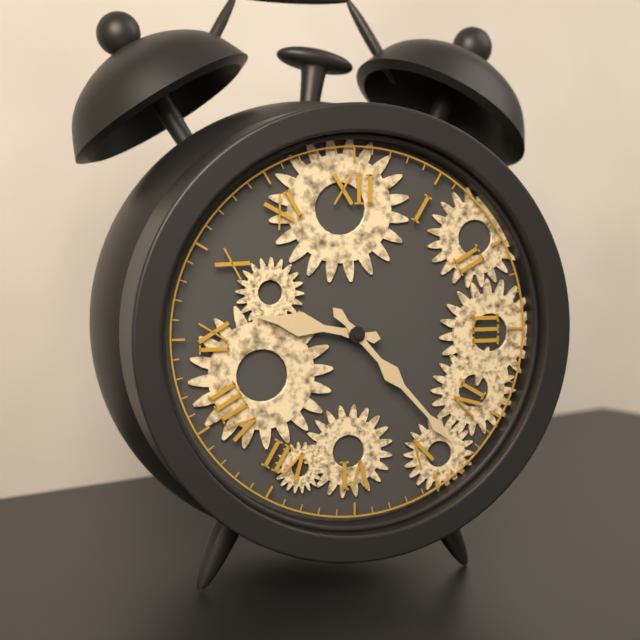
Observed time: 9:23
